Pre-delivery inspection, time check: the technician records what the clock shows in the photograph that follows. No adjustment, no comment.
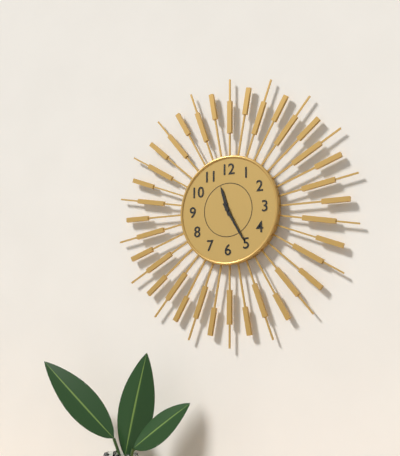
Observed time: 11:25
